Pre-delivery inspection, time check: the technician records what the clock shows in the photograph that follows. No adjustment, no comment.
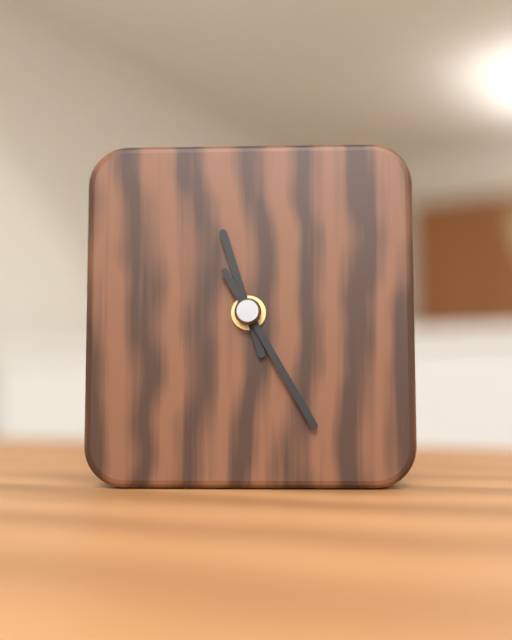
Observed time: 11:25
